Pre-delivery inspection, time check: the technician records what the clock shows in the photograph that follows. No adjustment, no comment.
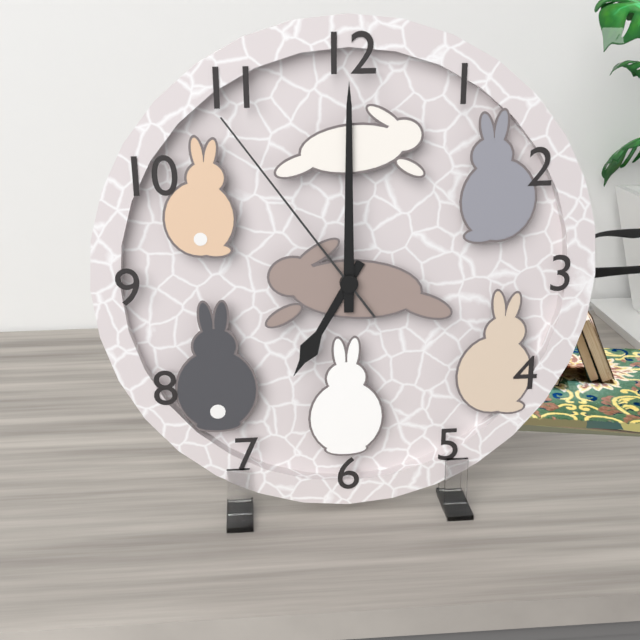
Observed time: 7:00:54
